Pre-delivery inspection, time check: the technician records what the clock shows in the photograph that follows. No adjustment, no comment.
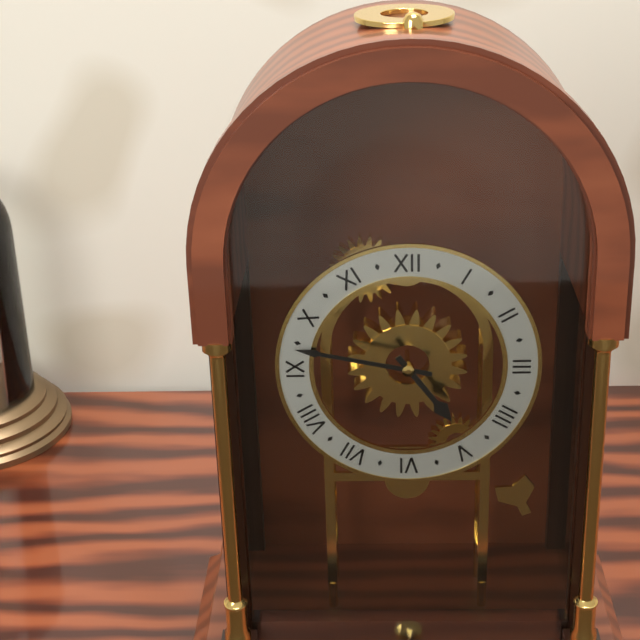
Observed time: 4:47
